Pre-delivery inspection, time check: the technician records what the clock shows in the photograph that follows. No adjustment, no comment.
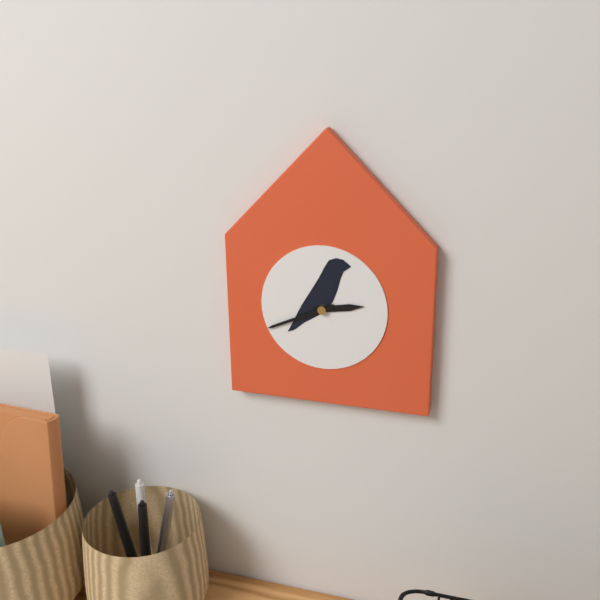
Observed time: 2:41
